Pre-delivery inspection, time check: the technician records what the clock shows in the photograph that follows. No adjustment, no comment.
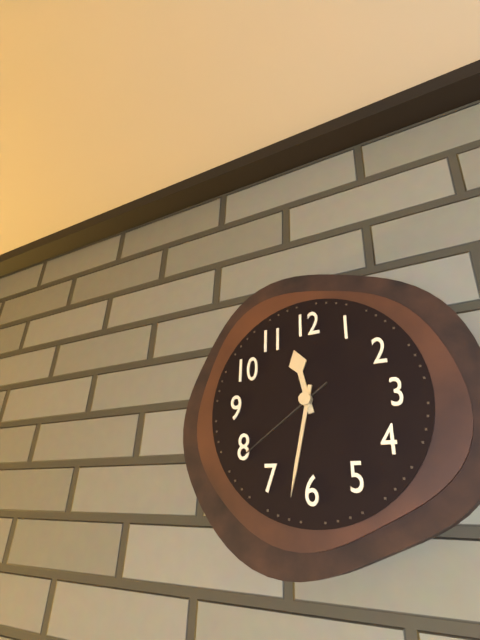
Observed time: 11:32:39
